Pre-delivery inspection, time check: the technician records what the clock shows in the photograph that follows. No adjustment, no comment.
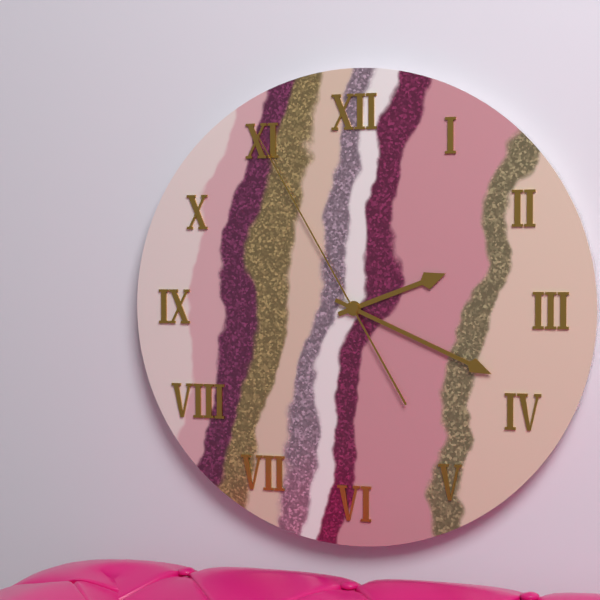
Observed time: 2:19:55
